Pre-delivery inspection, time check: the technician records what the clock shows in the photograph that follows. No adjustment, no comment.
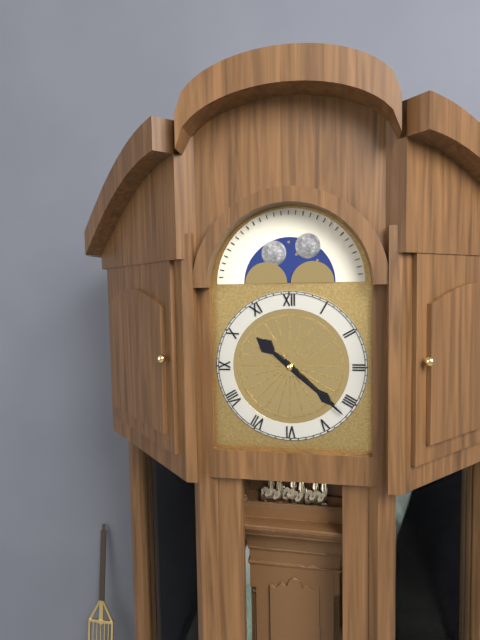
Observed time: 10:22
